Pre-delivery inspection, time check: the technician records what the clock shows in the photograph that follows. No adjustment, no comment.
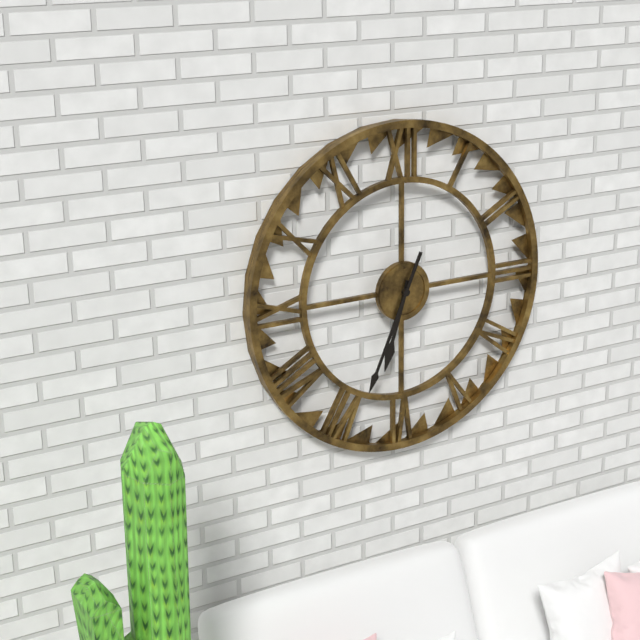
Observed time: 6:34
